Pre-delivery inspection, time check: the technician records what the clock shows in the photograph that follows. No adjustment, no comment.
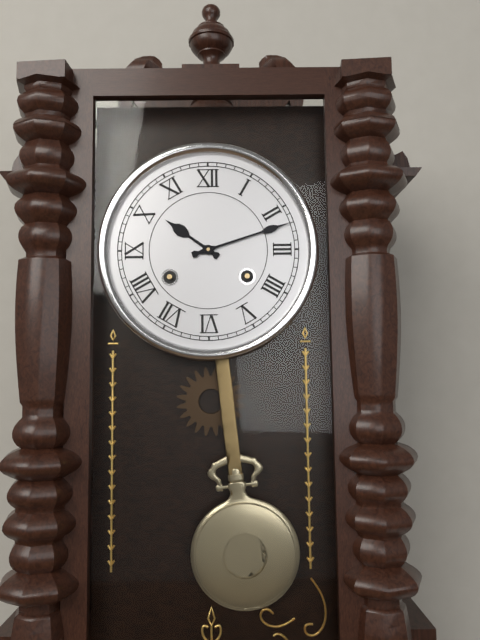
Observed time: 10:12
